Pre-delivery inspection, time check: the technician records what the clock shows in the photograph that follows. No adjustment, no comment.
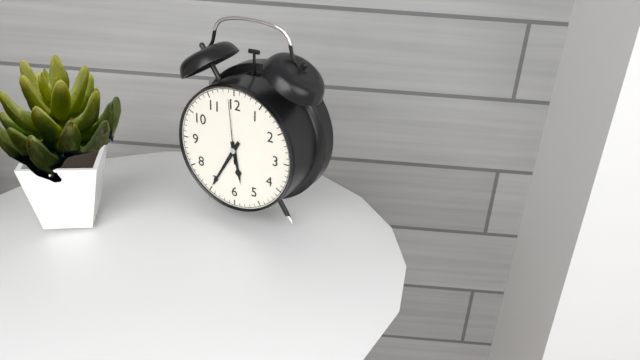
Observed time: 5:35:59
